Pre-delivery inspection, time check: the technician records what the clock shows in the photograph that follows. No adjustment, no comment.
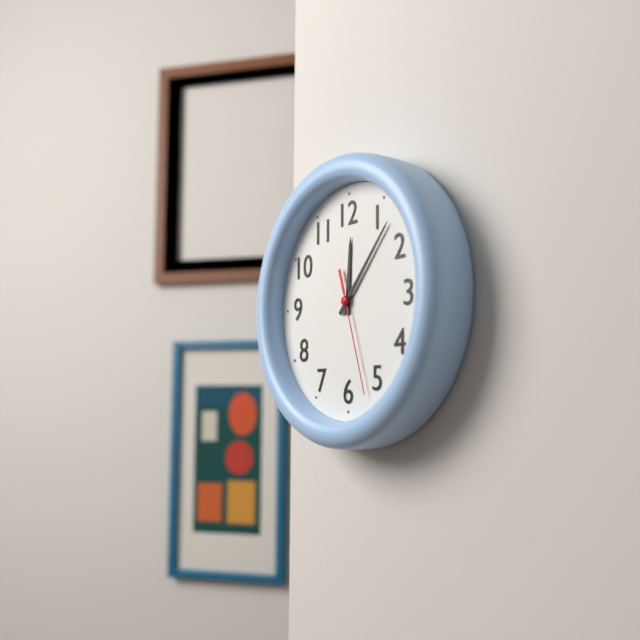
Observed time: 12:07:27
